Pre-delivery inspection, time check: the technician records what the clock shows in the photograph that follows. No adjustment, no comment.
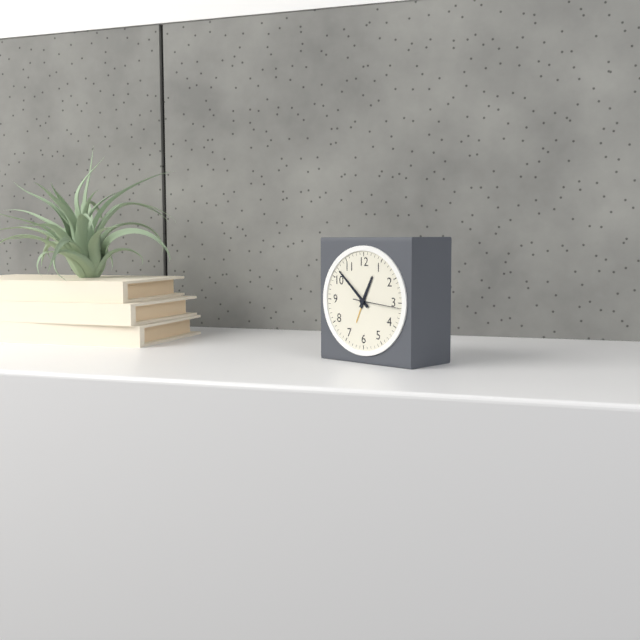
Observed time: 12:52
